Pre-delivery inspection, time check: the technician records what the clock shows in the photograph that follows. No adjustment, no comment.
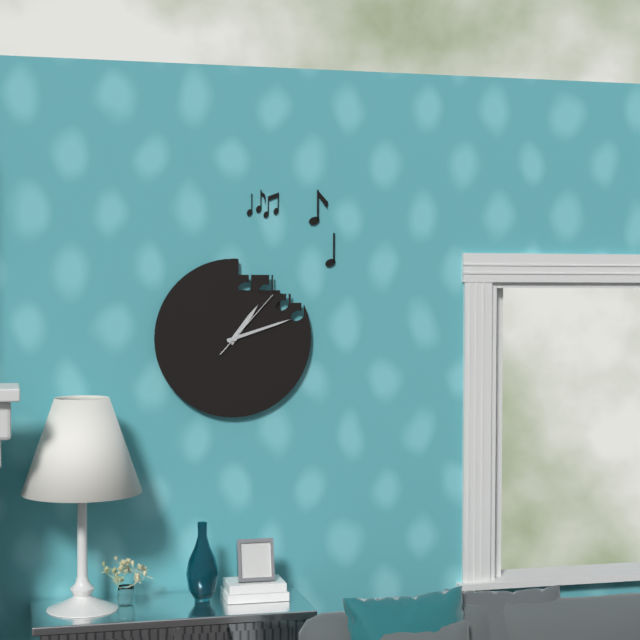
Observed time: 1:12:07
